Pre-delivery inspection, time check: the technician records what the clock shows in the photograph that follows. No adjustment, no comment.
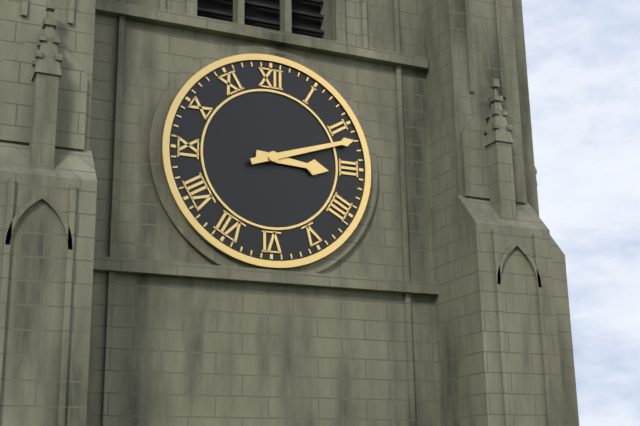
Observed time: 3:12
